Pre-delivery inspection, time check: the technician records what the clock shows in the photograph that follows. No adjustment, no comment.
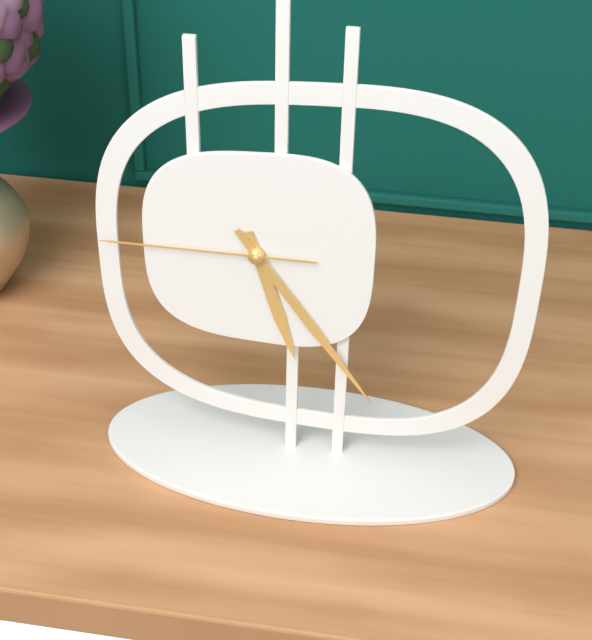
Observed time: 5:24:45
